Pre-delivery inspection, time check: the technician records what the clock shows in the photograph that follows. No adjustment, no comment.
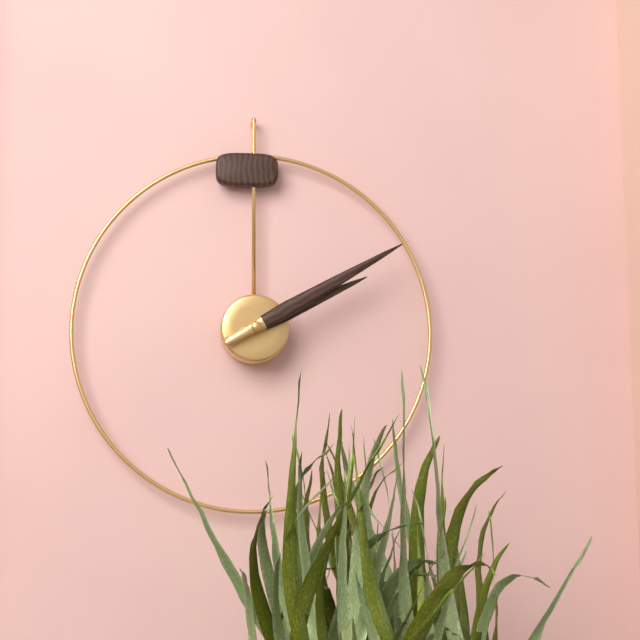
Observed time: 2:10
